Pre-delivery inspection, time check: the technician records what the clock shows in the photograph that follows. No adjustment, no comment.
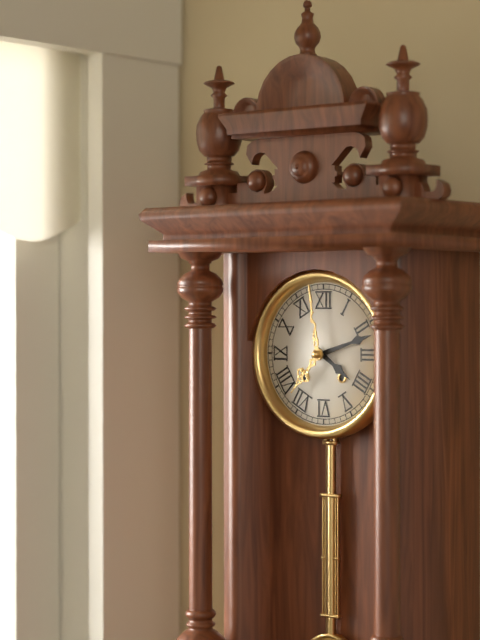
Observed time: 4:12
